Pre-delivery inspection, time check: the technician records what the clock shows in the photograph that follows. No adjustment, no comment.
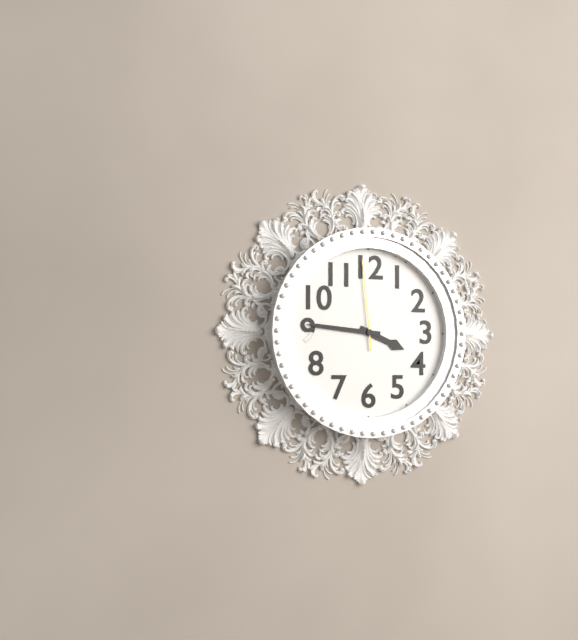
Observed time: 3:46:59
